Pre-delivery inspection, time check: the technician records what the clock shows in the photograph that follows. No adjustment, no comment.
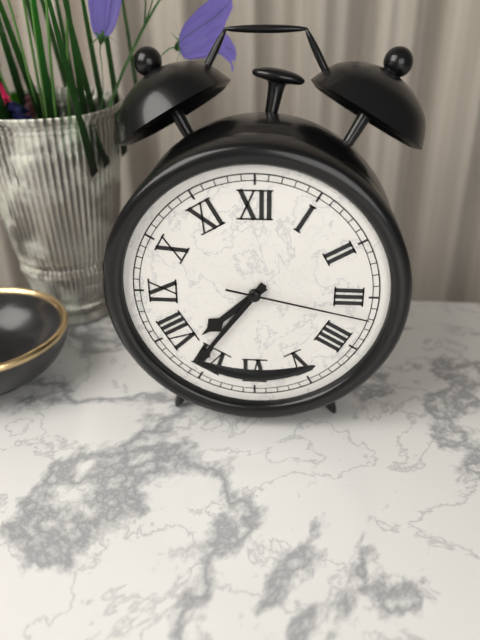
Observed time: 7:36:17
